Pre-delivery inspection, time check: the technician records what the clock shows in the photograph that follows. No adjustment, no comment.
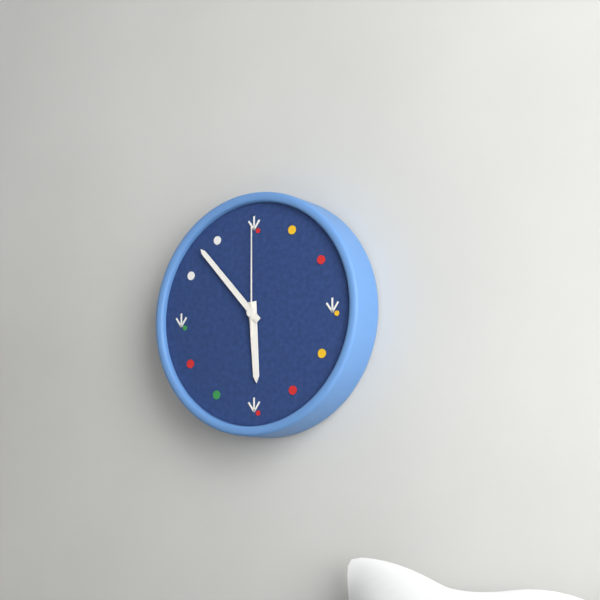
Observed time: 5:53:00
